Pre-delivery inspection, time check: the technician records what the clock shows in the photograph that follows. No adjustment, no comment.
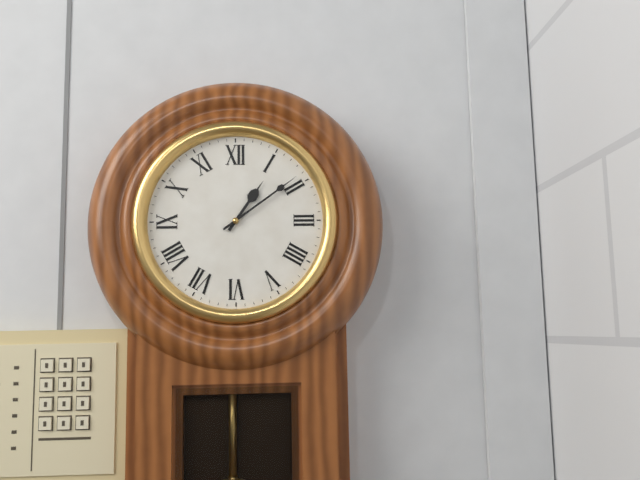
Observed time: 1:09
